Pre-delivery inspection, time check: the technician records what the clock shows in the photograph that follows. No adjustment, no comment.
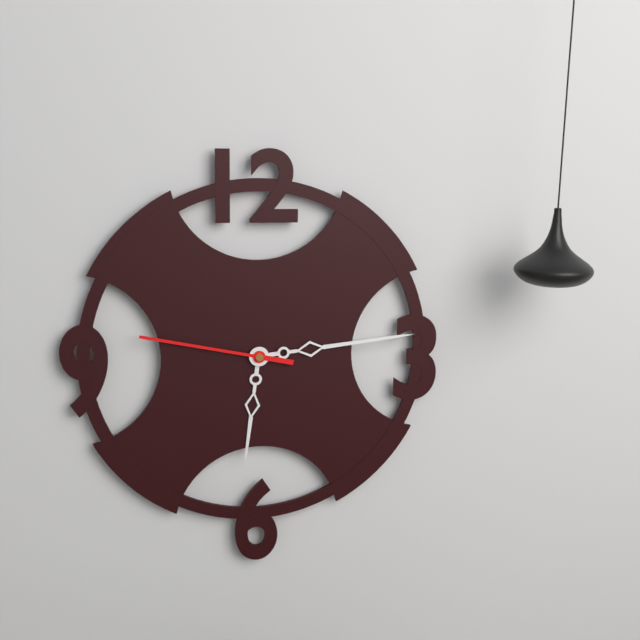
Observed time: 6:14:47
